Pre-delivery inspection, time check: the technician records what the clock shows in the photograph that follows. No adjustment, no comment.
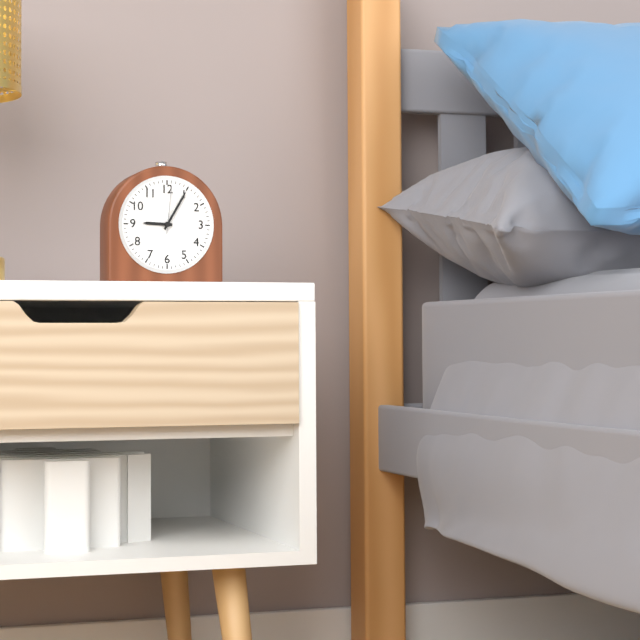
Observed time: 9:05:01
